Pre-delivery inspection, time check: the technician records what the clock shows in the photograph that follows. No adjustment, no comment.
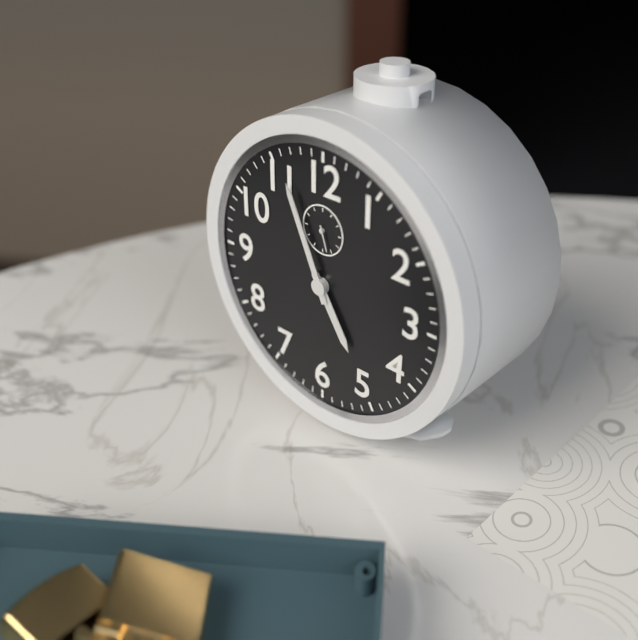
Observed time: 4:56
